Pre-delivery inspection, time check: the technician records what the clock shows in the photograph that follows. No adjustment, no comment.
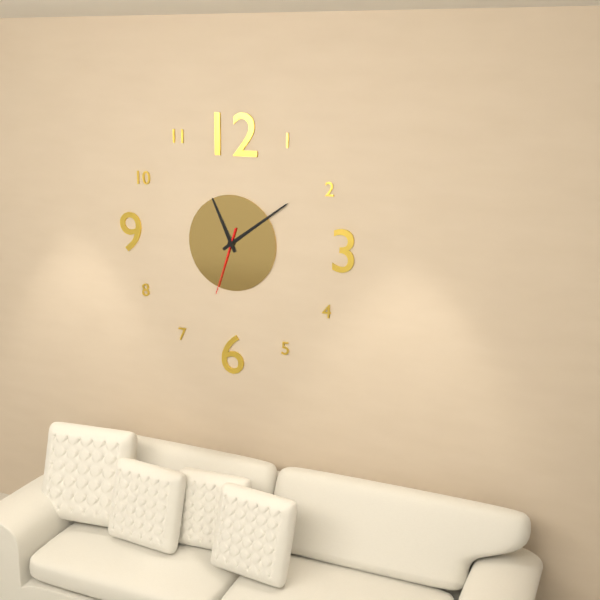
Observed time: 11:09:33
